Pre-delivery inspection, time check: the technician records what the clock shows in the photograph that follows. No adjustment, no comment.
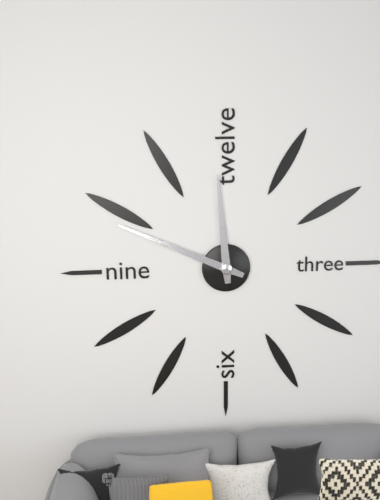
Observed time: 11:49
